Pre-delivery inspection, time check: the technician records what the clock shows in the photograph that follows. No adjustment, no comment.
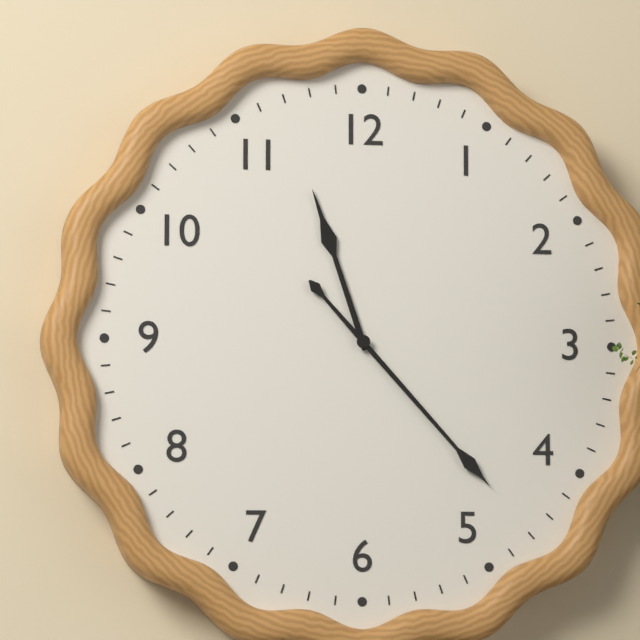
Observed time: 11:23
